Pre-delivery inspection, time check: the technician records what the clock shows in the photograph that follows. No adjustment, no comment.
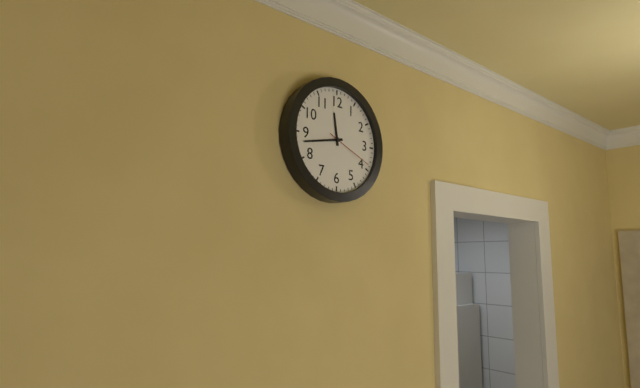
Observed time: 11:43:19
